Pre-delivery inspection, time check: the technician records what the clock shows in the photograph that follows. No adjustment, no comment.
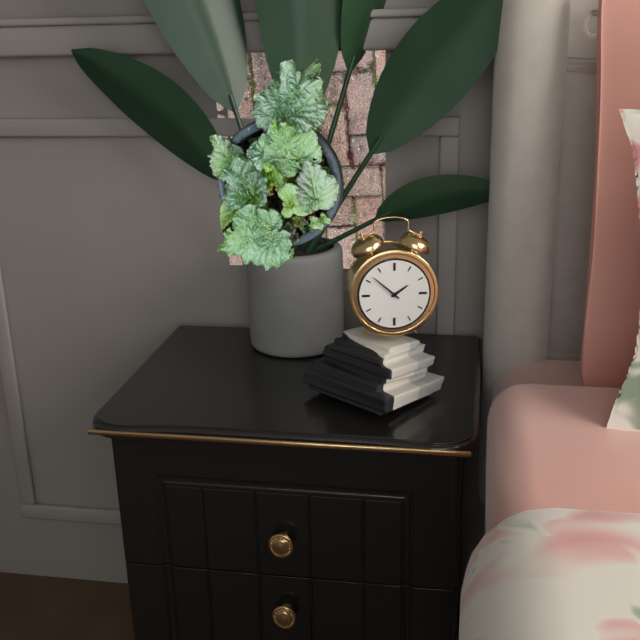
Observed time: 1:52
